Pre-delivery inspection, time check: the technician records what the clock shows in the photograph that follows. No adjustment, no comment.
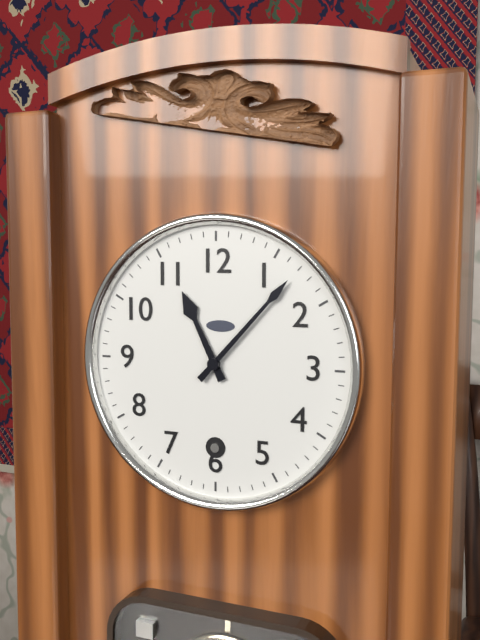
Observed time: 11:07
